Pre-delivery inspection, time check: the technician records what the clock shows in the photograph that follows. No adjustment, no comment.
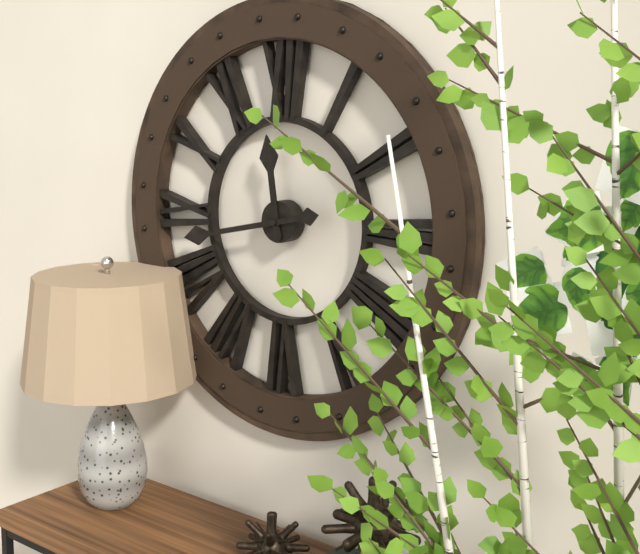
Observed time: 11:43
